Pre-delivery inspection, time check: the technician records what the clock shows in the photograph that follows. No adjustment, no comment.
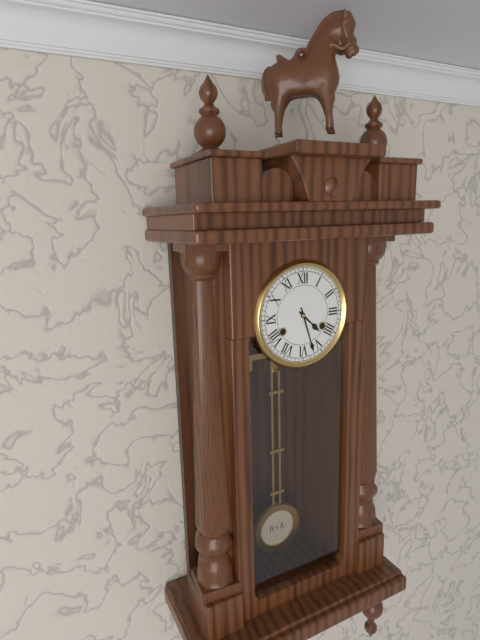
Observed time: 4:27
